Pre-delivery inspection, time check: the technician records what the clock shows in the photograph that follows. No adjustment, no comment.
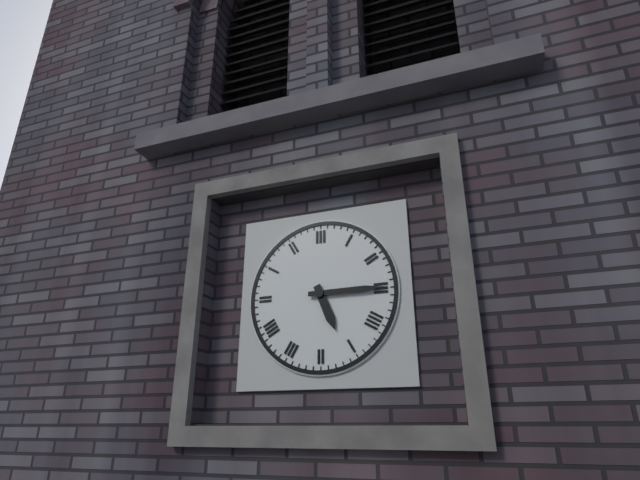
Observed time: 5:15
